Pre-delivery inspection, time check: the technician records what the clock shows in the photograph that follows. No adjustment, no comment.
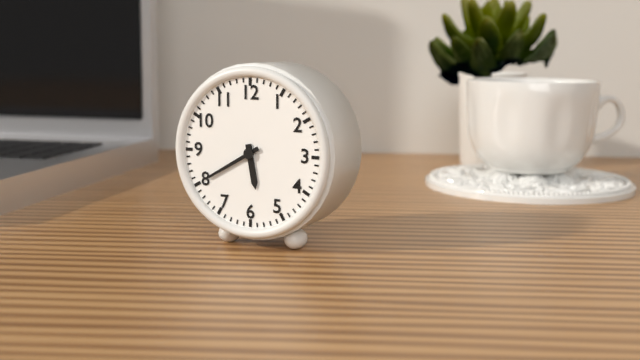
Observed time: 5:40
